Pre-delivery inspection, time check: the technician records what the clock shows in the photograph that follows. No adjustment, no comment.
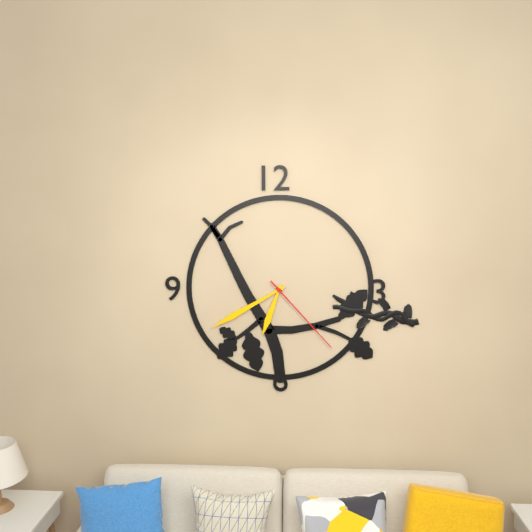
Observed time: 6:40:23
